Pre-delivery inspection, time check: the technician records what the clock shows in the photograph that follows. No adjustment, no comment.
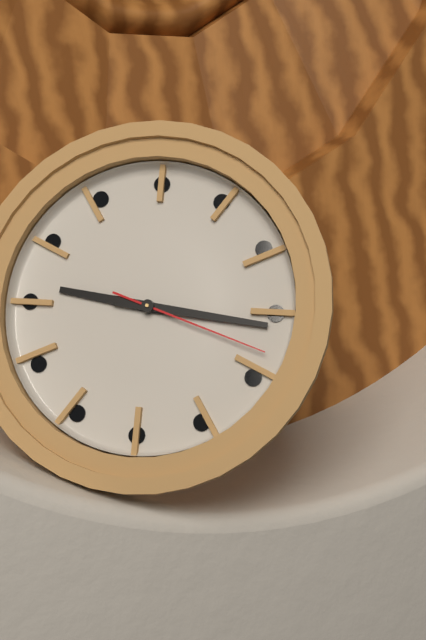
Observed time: 9:16:18
